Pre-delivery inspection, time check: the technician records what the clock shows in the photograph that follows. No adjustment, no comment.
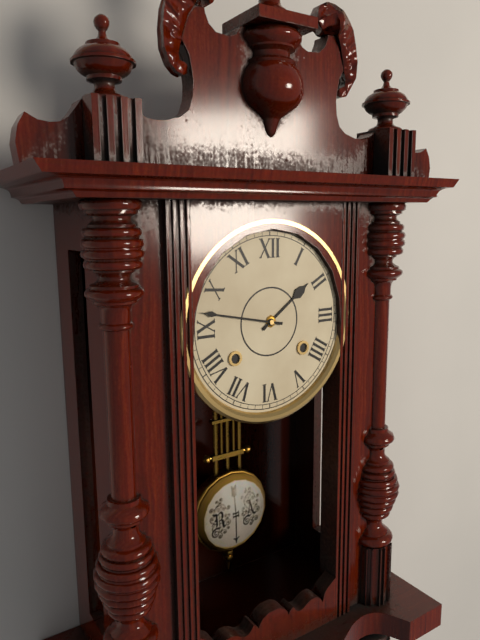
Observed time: 1:47
